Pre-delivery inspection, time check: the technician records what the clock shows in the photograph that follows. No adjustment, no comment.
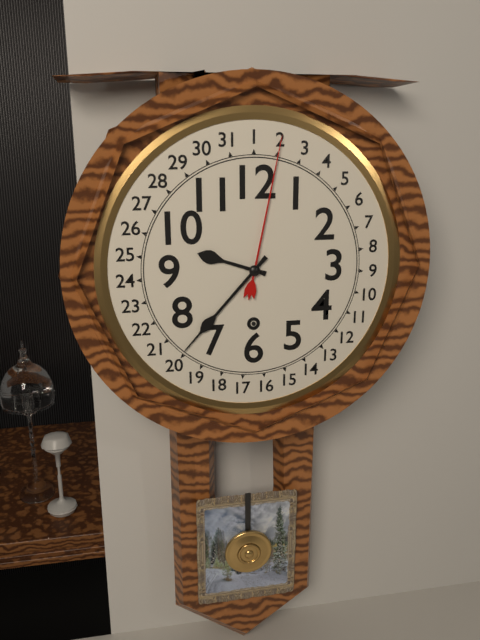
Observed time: 9:37
